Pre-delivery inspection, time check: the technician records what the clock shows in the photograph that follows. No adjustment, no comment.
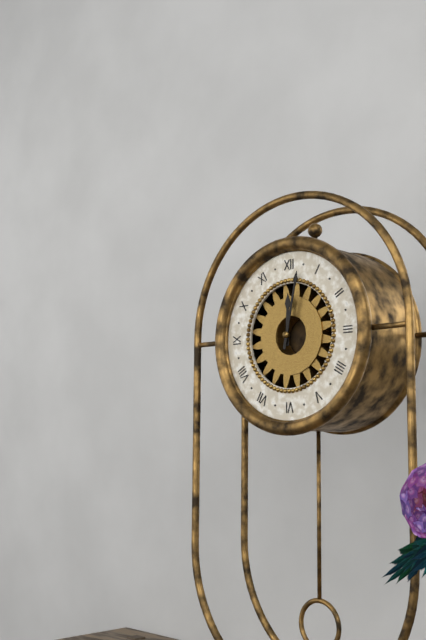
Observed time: 12:02
